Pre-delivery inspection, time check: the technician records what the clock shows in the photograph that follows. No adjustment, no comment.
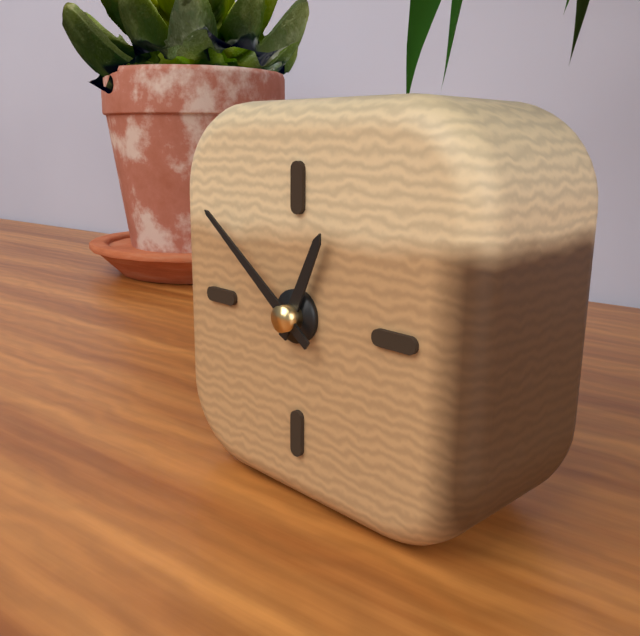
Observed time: 12:51
